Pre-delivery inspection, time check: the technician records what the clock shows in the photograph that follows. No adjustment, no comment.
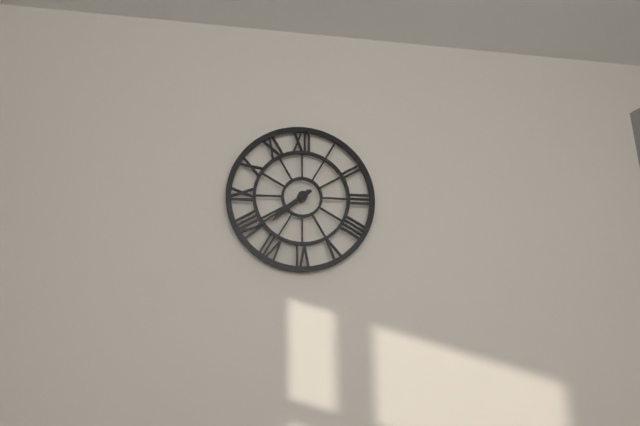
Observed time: 7:39
